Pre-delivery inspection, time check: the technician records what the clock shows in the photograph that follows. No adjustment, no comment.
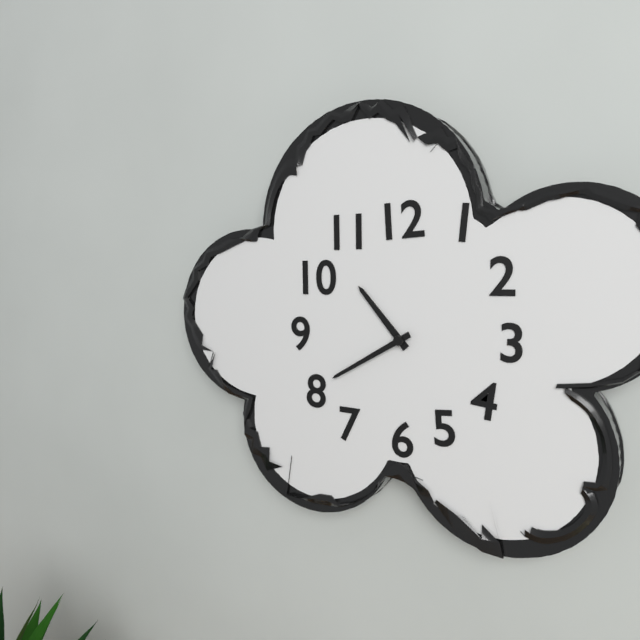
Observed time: 10:40
